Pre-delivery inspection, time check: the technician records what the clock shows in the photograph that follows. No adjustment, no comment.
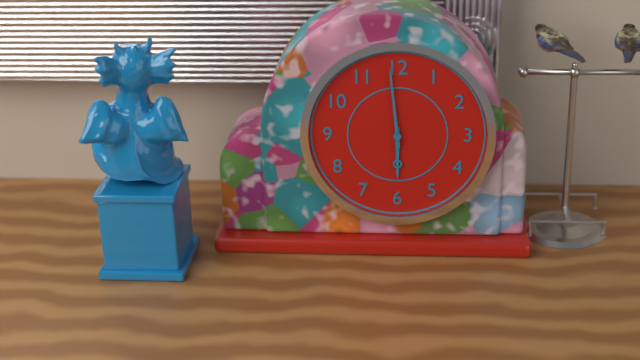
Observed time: 5:59
